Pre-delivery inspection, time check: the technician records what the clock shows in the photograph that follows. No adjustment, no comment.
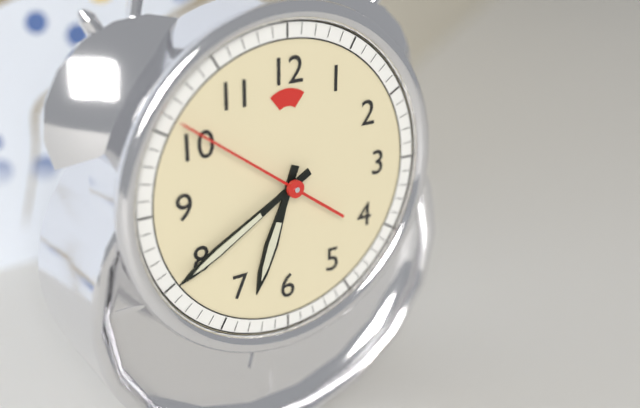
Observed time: 6:40:51
